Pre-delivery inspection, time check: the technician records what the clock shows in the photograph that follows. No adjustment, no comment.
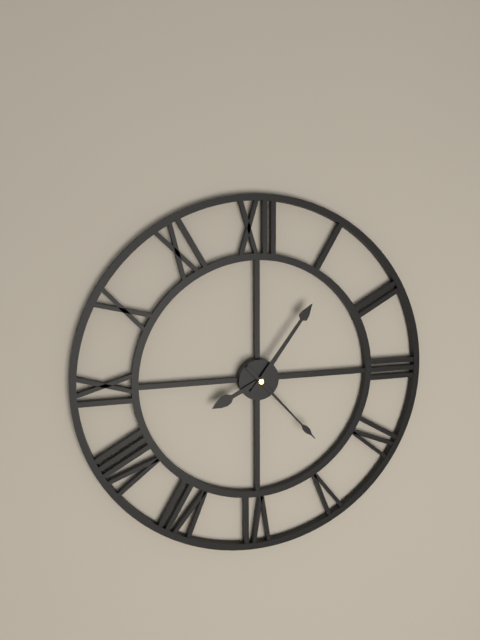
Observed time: 8:06:23
